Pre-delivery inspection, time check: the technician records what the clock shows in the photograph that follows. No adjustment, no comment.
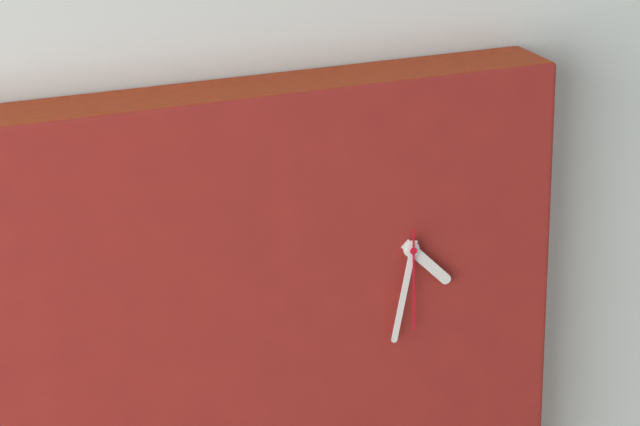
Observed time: 4:32:30
